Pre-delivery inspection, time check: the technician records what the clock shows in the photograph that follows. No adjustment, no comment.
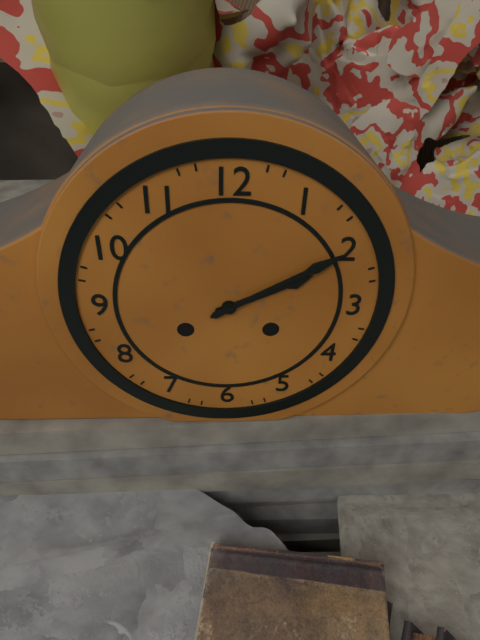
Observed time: 2:10
